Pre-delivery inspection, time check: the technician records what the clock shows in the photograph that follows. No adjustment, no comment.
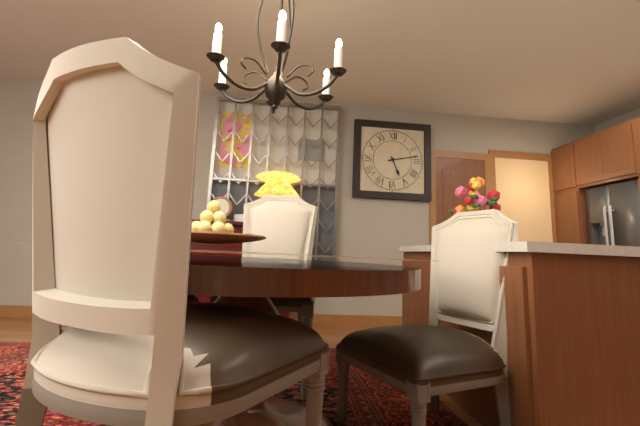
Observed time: 5:13
